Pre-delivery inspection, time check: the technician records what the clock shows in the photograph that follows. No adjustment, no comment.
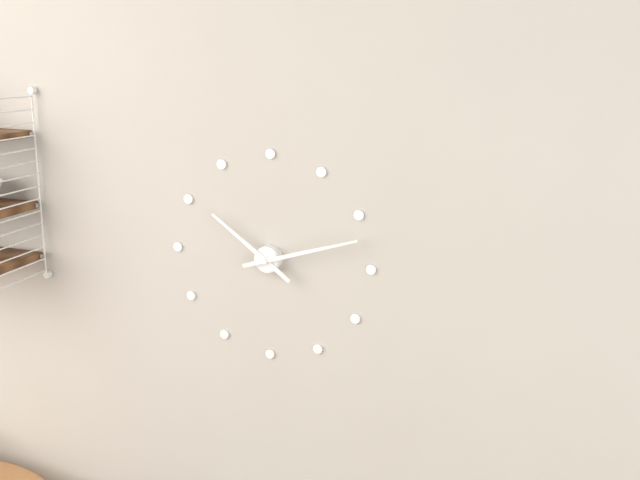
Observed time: 10:12
